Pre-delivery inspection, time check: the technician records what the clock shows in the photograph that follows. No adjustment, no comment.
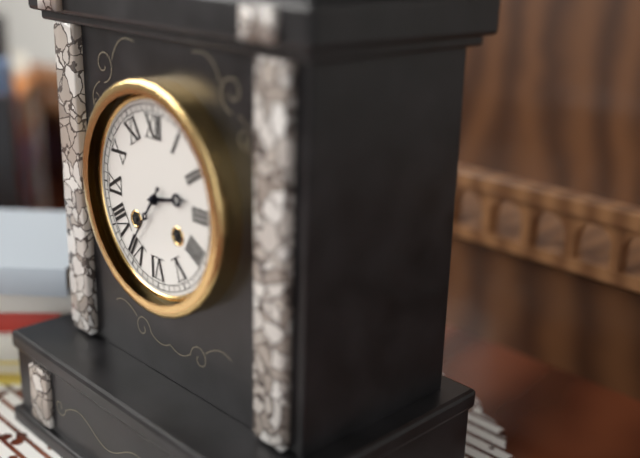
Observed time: 2:36
